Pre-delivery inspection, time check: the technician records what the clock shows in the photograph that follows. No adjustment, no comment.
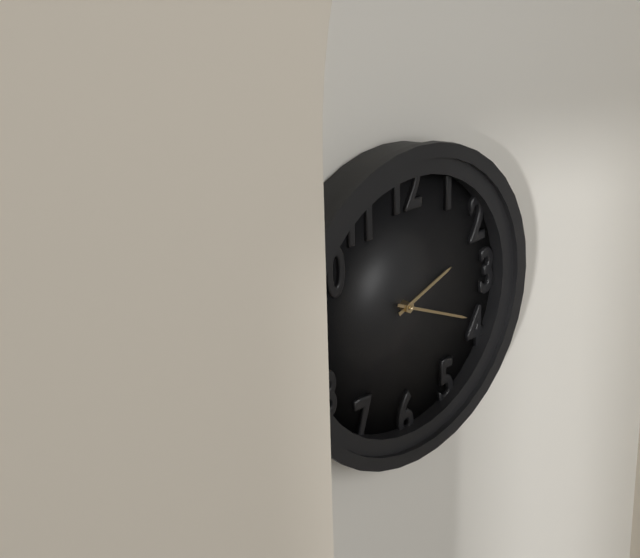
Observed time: 2:19
